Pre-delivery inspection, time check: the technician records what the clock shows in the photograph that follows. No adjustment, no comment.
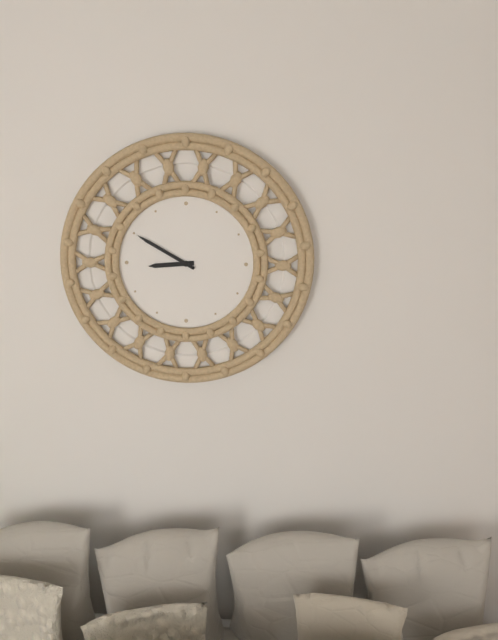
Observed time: 8:50
